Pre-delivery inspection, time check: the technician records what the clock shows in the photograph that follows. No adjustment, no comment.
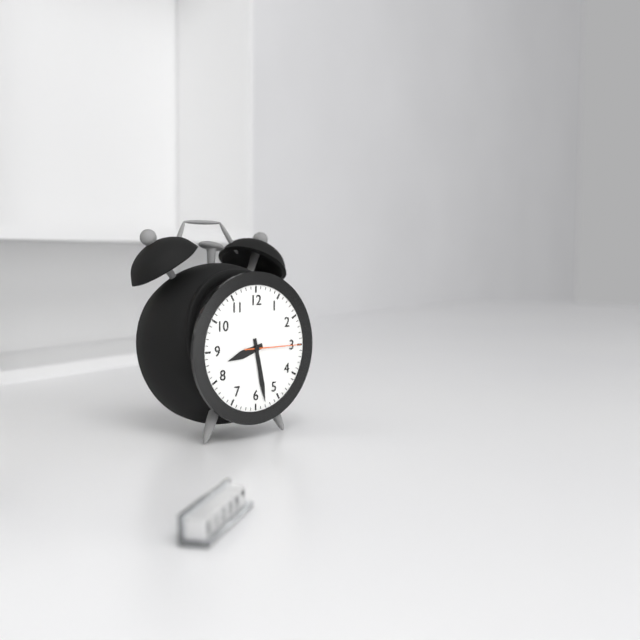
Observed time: 8:28:15
